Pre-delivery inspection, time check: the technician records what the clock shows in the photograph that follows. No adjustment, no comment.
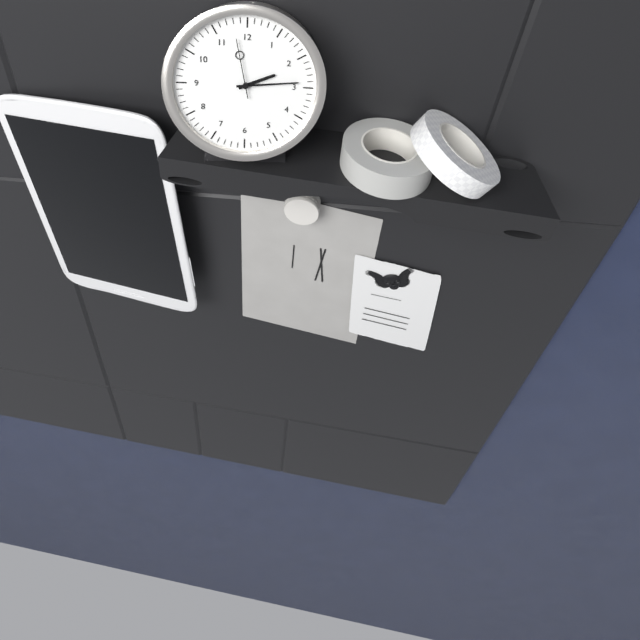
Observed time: 2:14:58
